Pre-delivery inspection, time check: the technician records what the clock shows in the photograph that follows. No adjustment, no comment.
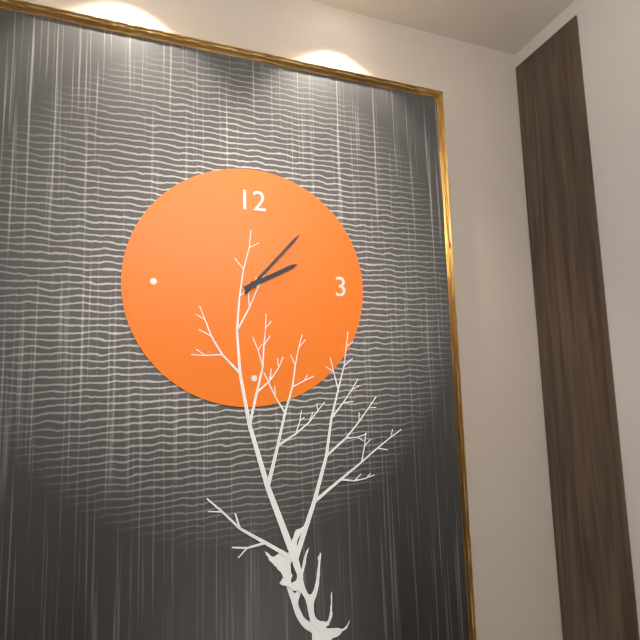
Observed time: 2:07
